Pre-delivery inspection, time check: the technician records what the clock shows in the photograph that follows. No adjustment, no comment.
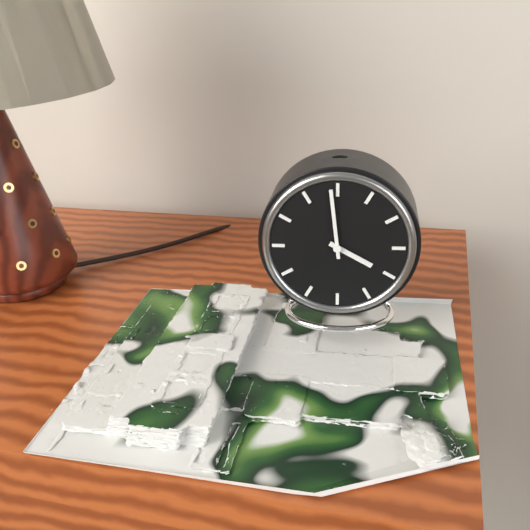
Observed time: 3:59
